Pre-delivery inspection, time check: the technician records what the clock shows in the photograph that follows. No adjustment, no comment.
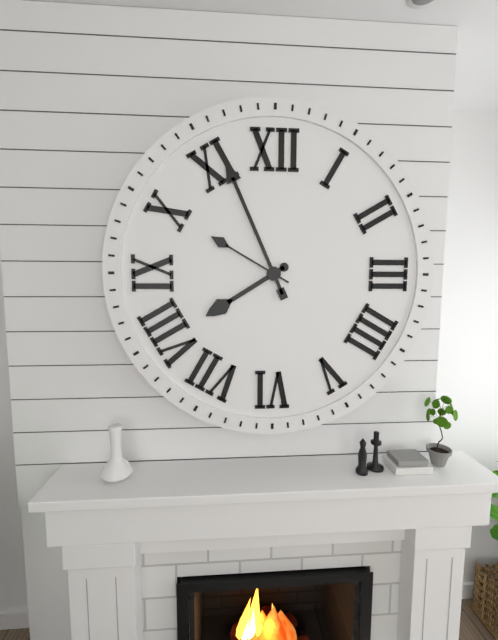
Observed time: 7:56:50
